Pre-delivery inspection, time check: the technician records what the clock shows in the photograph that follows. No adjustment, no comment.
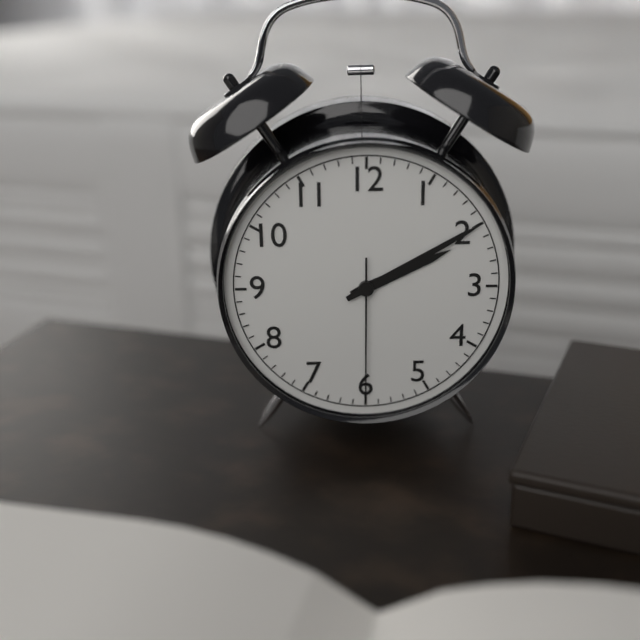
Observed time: 2:10:30
